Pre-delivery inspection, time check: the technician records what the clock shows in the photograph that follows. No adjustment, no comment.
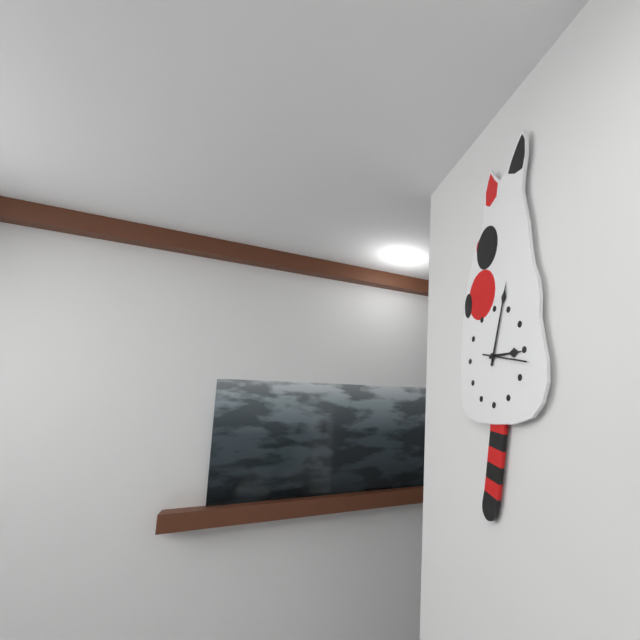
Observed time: 3:03
